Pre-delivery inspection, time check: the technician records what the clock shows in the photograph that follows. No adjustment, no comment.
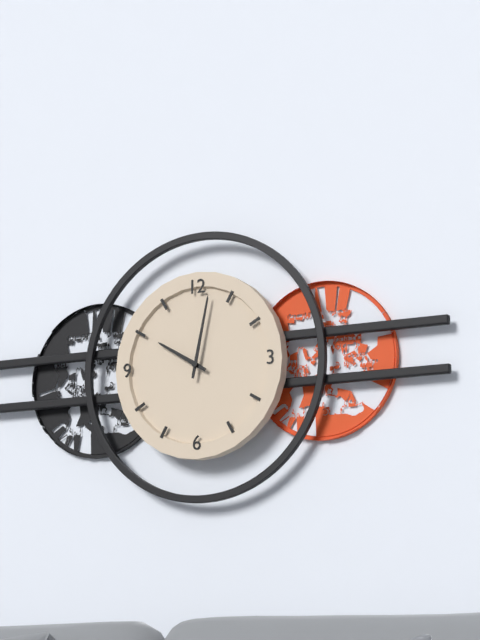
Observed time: 10:02
